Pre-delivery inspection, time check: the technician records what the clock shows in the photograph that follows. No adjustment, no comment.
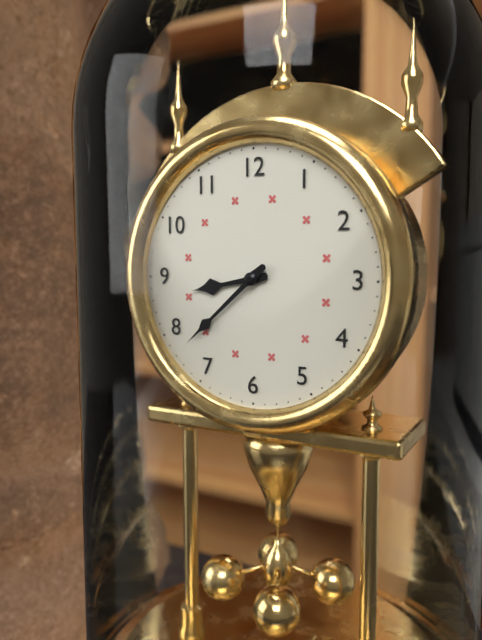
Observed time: 8:38
